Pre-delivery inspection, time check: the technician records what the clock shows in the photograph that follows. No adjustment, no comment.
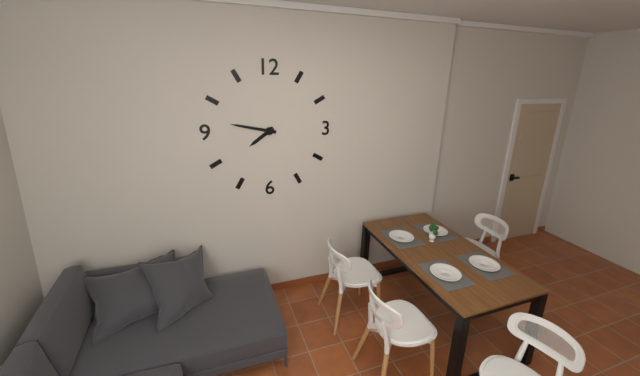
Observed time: 7:47
